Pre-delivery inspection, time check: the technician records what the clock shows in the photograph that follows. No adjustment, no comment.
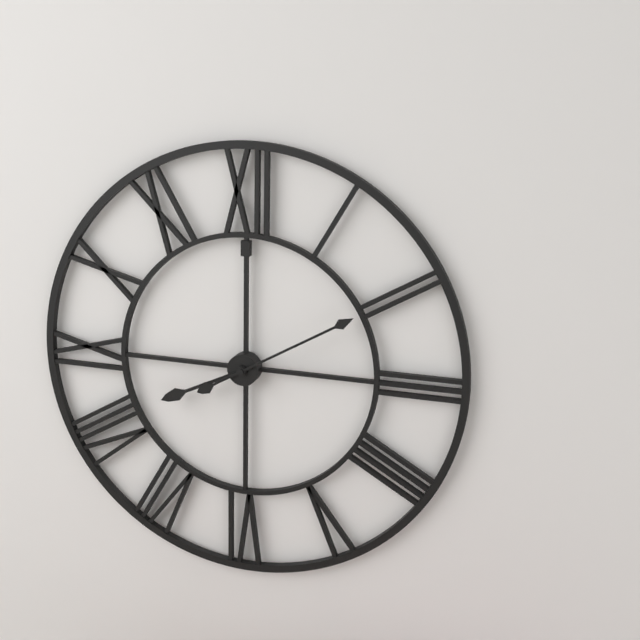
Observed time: 8:10
